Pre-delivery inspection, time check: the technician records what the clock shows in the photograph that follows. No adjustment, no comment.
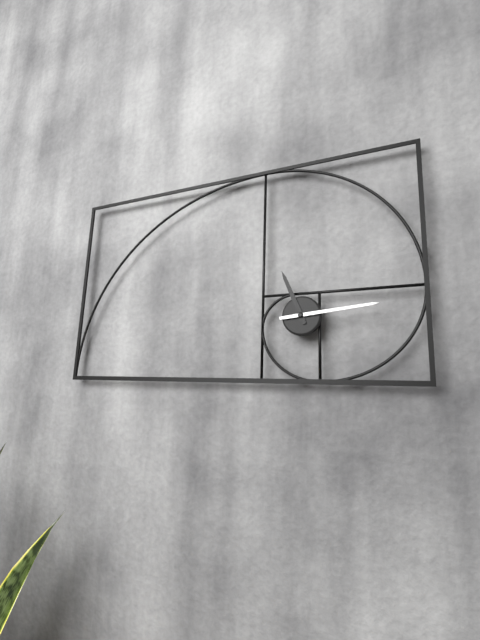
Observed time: 11:14
